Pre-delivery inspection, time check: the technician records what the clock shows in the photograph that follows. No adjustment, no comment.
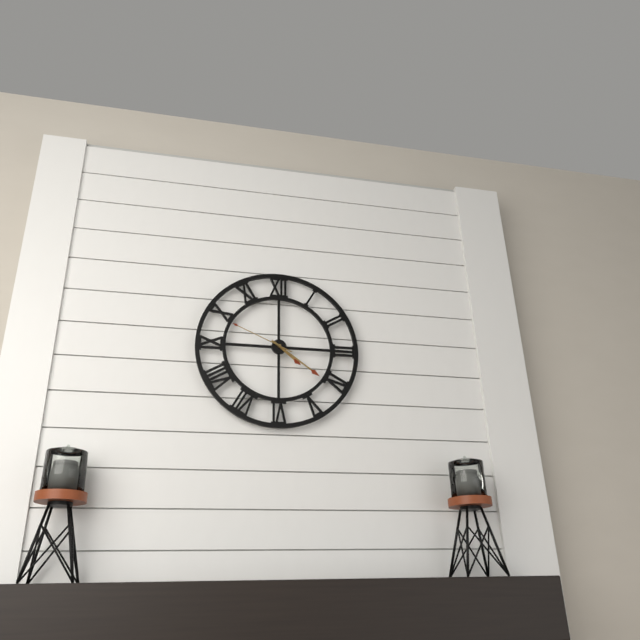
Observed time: 4:21:49
